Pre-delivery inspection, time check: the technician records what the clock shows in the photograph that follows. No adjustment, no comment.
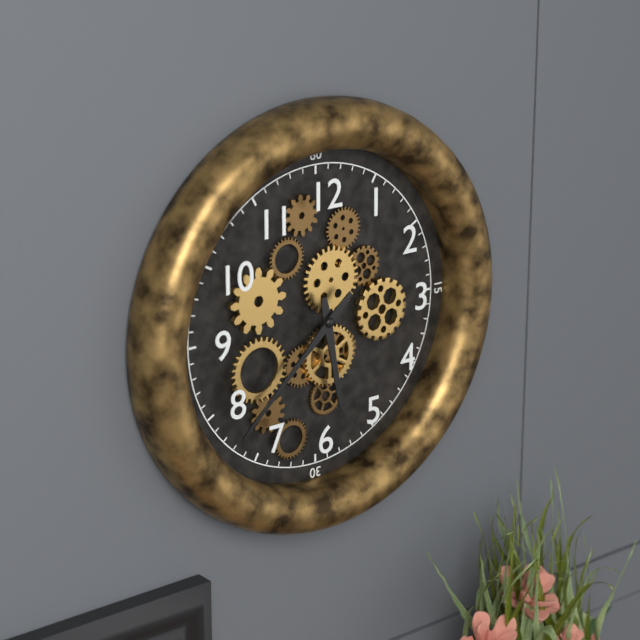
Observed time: 5:38
